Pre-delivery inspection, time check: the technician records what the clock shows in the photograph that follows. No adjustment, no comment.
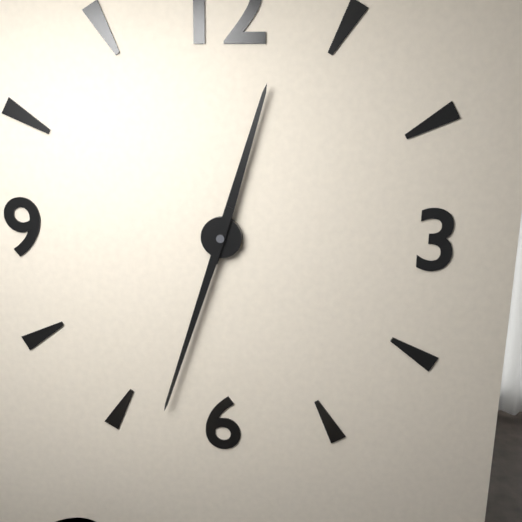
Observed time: 12:33
